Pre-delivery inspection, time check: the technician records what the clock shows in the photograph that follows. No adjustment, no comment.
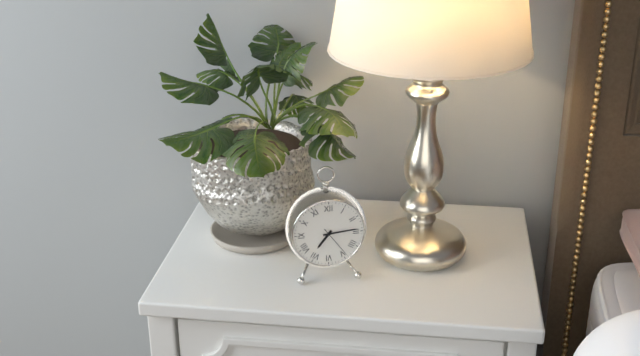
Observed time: 7:14
